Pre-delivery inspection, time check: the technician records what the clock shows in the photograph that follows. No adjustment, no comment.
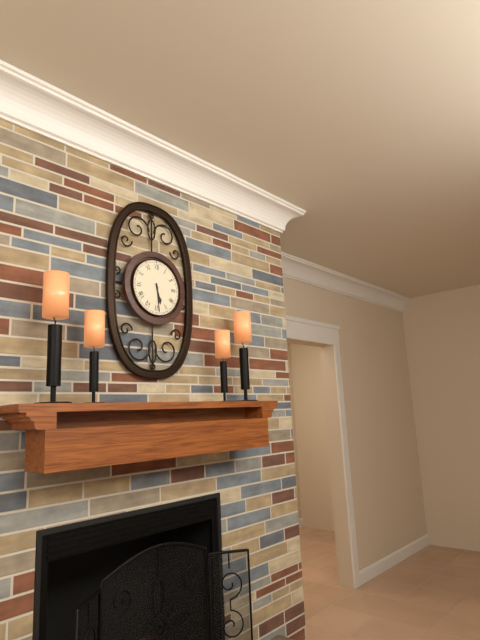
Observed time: 5:29
